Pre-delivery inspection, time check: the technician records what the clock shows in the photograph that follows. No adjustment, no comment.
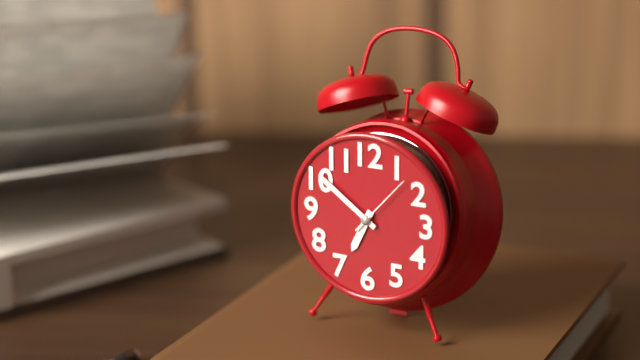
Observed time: 6:51:07
